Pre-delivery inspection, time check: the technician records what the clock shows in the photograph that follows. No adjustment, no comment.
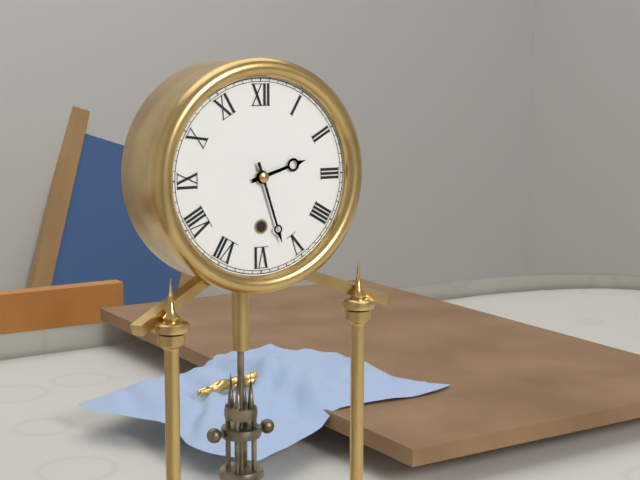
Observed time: 2:27
